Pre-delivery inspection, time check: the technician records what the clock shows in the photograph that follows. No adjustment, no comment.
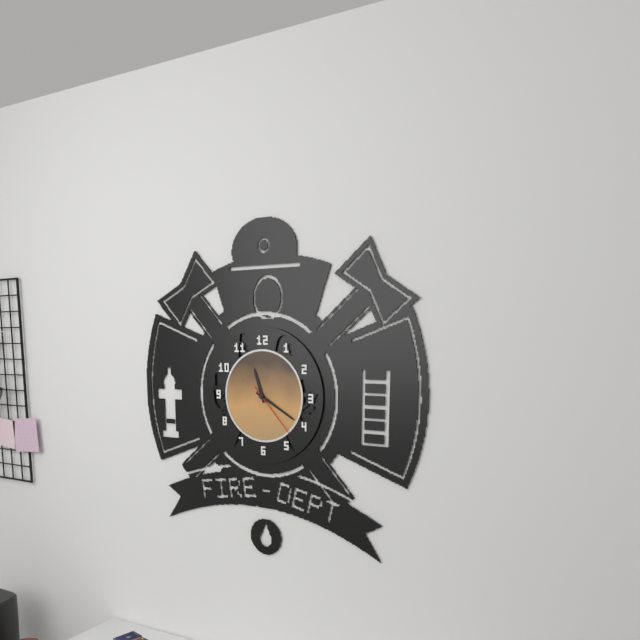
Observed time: 11:20:23
